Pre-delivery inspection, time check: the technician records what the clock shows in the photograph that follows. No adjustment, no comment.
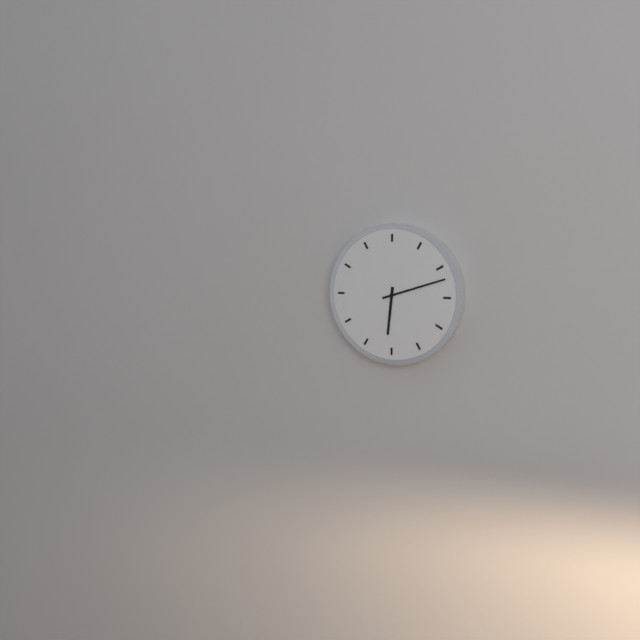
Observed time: 6:12
